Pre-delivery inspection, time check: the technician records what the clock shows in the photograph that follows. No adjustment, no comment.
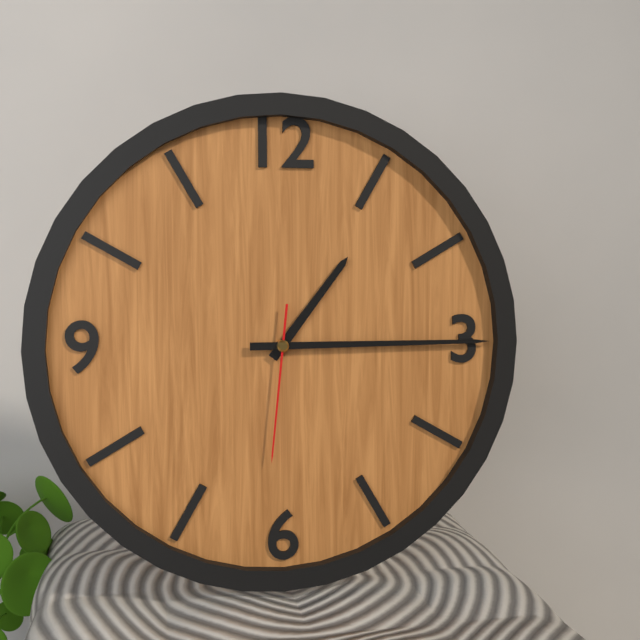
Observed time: 1:15:31
